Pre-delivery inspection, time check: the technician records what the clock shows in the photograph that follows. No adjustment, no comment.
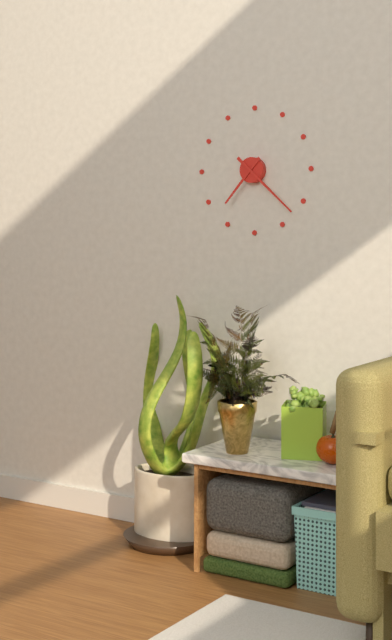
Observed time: 7:22
